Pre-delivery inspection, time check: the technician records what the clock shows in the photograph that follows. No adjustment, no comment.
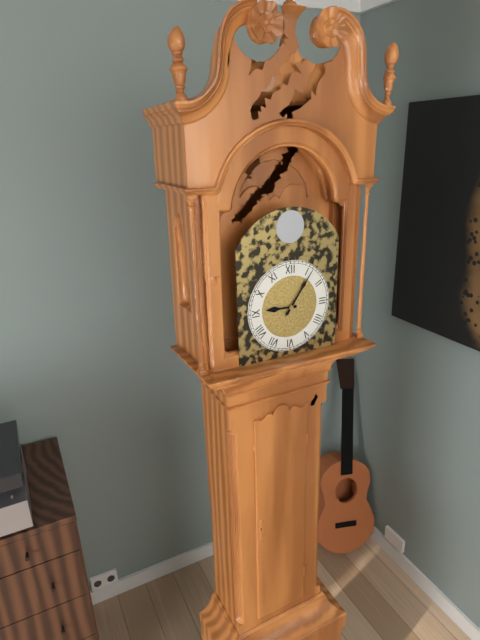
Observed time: 9:06
